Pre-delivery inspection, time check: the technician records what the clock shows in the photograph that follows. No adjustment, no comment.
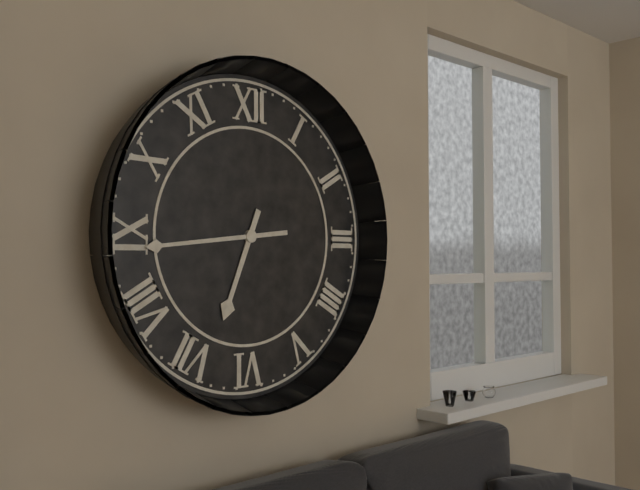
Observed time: 6:44
